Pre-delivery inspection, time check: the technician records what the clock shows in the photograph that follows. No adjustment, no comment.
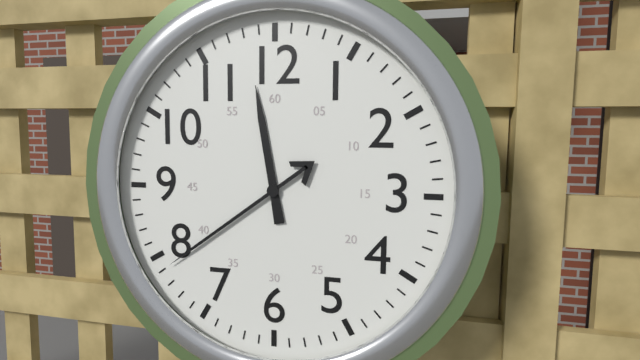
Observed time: 11:39
